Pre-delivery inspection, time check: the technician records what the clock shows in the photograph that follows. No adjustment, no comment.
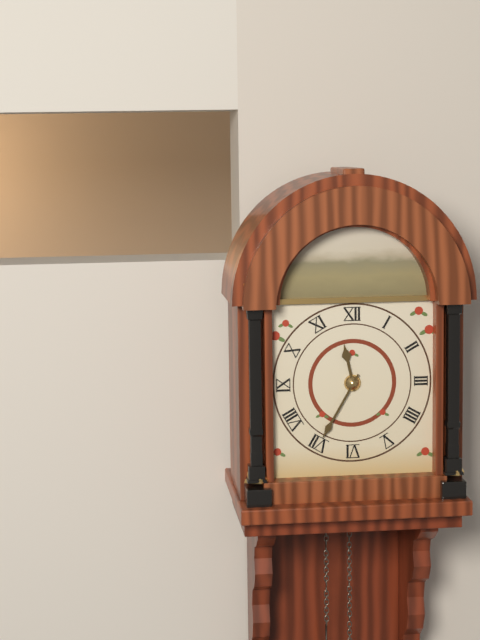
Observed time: 11:35
